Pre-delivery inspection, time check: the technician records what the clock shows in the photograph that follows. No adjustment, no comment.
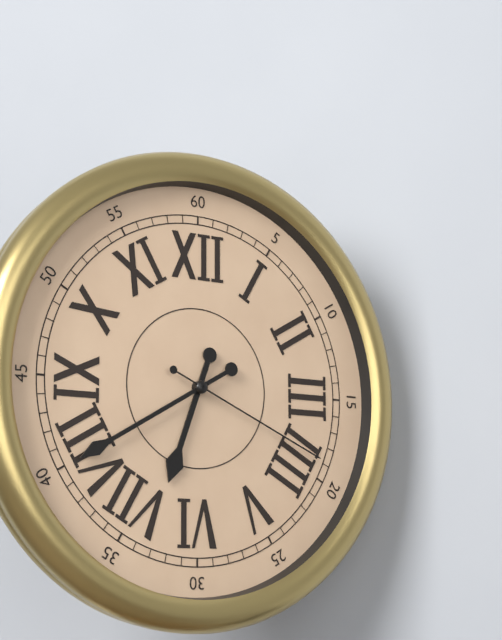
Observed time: 6:40:19
